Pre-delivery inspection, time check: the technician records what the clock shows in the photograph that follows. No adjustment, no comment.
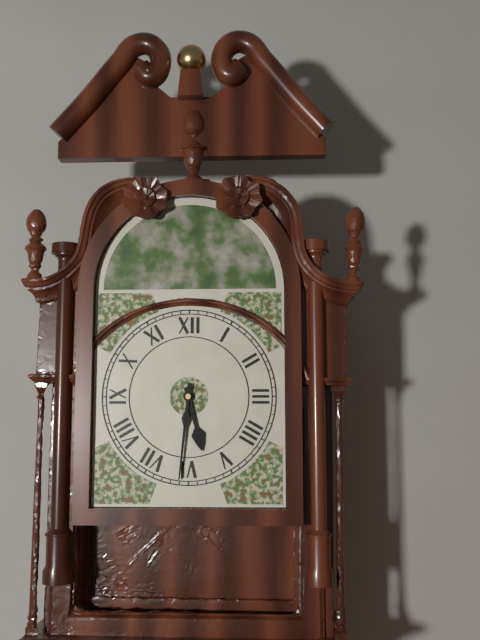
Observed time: 5:31
